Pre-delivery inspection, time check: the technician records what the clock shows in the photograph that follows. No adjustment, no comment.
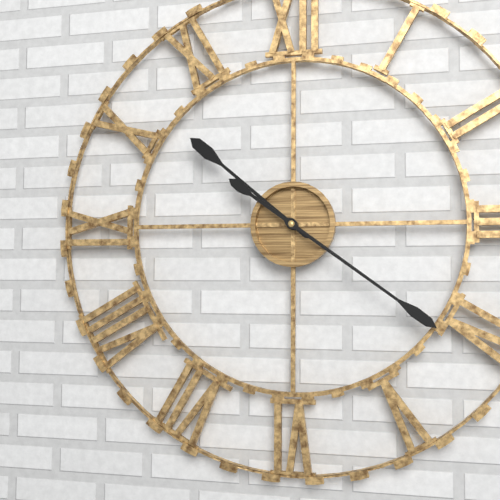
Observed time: 10:21
